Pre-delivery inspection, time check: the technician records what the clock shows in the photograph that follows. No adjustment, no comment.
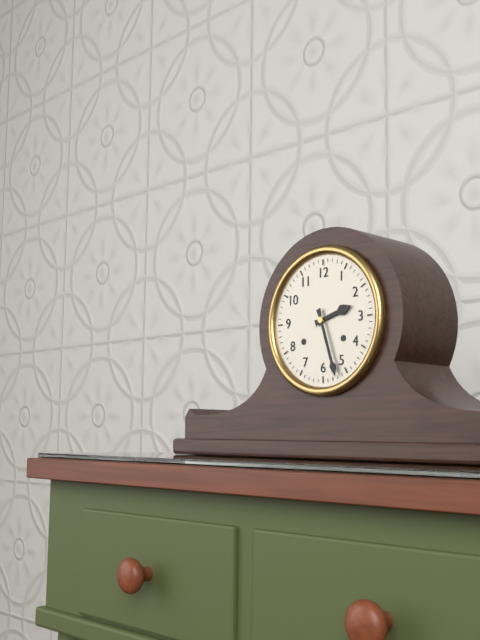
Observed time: 2:27
